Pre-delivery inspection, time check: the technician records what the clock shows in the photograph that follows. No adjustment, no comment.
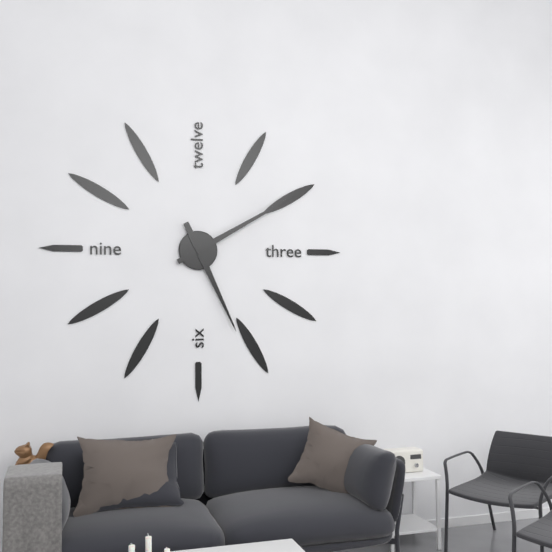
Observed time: 5:10
